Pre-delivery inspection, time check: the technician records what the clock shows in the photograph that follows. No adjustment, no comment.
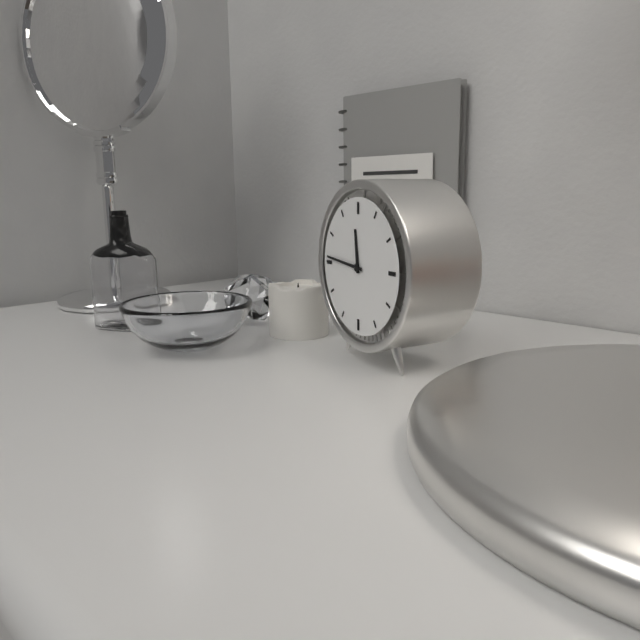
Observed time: 11:46
